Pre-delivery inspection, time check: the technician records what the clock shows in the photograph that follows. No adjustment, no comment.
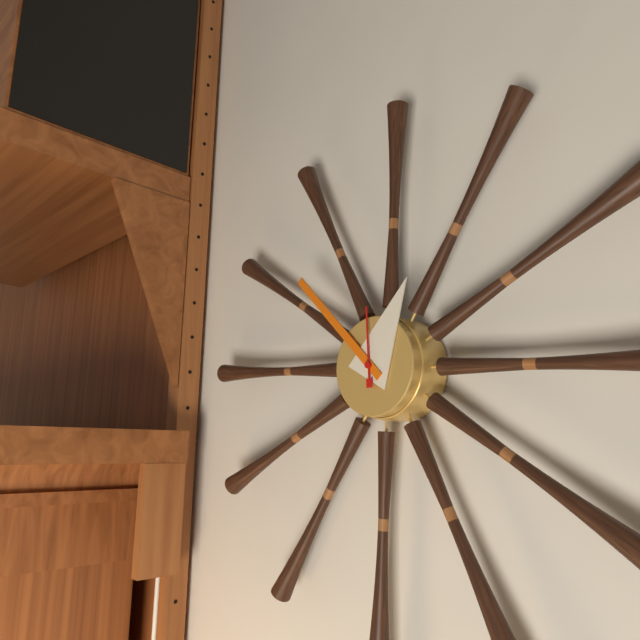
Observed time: 12:52:59
